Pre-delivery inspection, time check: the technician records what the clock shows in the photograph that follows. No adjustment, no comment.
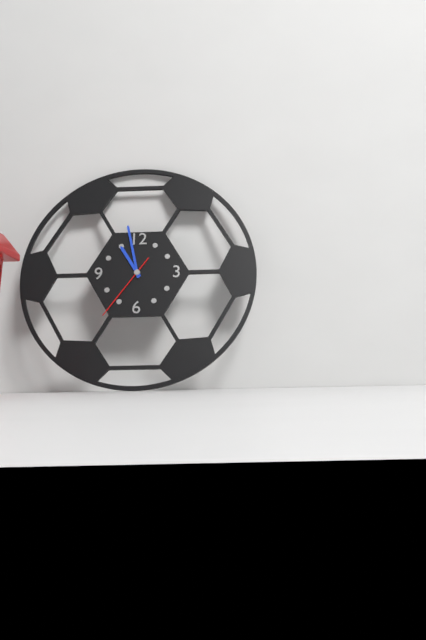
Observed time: 10:58:36
